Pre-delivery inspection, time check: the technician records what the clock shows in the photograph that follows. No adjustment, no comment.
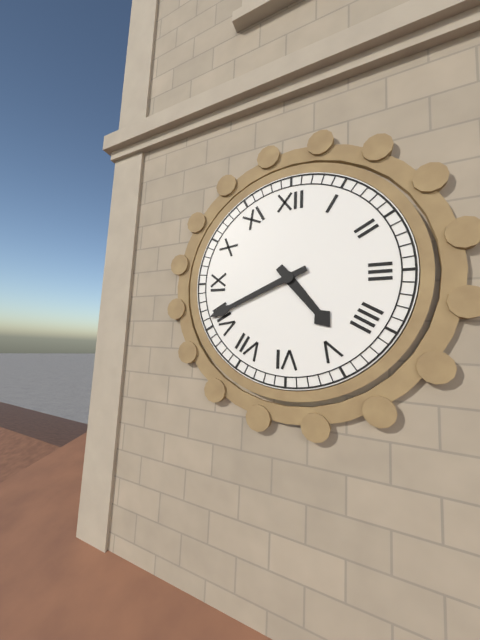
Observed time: 4:41
